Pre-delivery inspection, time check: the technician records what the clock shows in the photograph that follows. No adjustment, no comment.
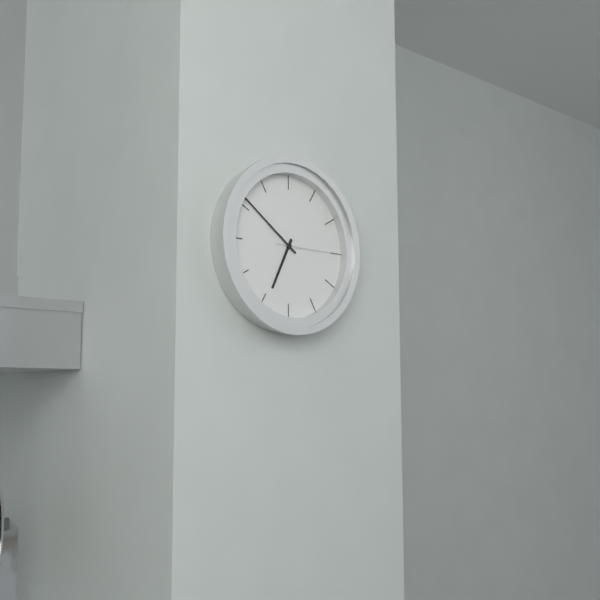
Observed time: 6:51:15
